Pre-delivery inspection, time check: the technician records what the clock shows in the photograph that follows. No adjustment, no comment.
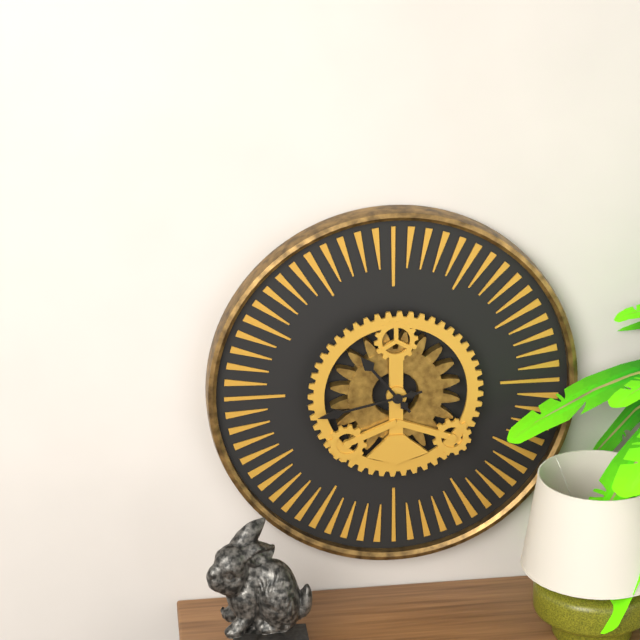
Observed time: 10:43
